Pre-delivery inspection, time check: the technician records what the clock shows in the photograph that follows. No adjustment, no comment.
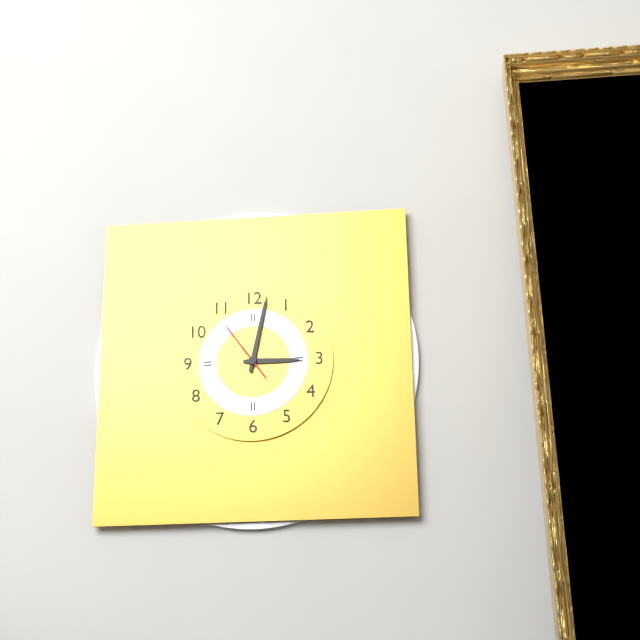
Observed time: 3:02:54
